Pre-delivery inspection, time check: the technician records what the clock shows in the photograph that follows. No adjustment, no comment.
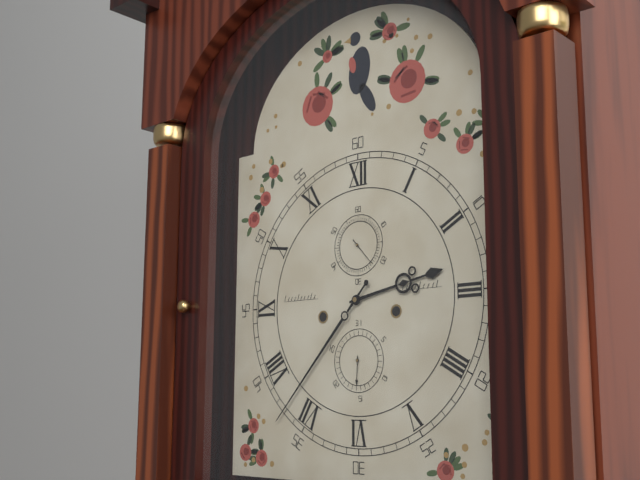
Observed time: 2:37
